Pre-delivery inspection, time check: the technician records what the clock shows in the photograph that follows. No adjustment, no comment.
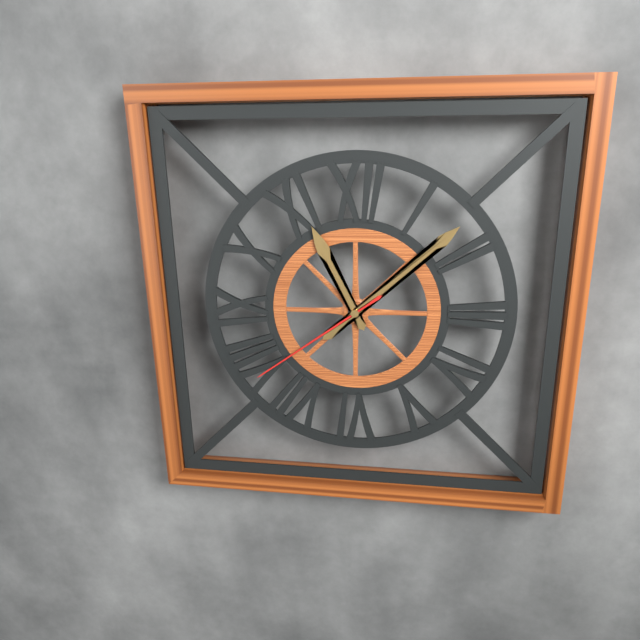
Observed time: 11:08:39
